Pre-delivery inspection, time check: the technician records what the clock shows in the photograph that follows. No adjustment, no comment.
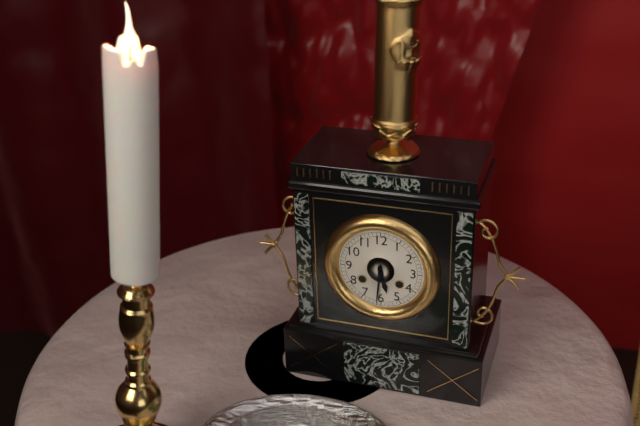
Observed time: 5:31
